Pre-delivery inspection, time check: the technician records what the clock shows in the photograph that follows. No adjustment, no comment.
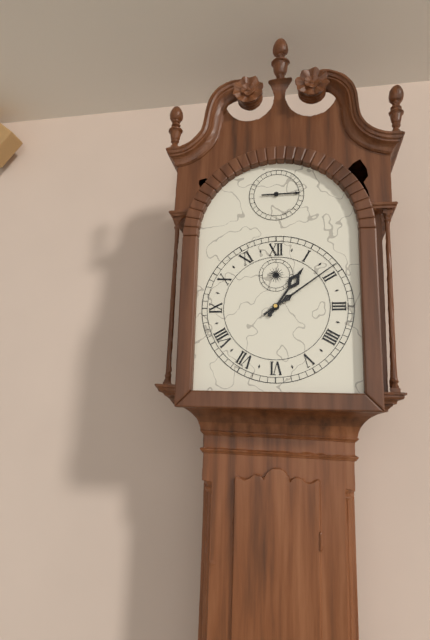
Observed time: 1:09
